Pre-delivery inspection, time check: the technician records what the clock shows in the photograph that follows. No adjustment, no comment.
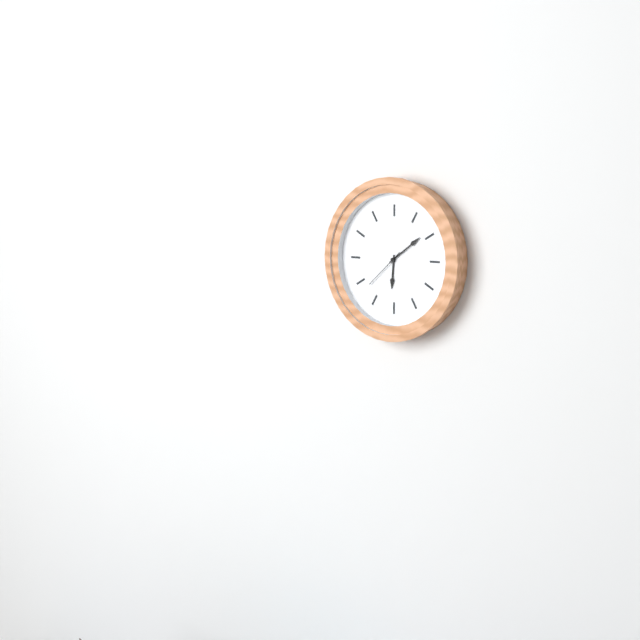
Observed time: 6:09
